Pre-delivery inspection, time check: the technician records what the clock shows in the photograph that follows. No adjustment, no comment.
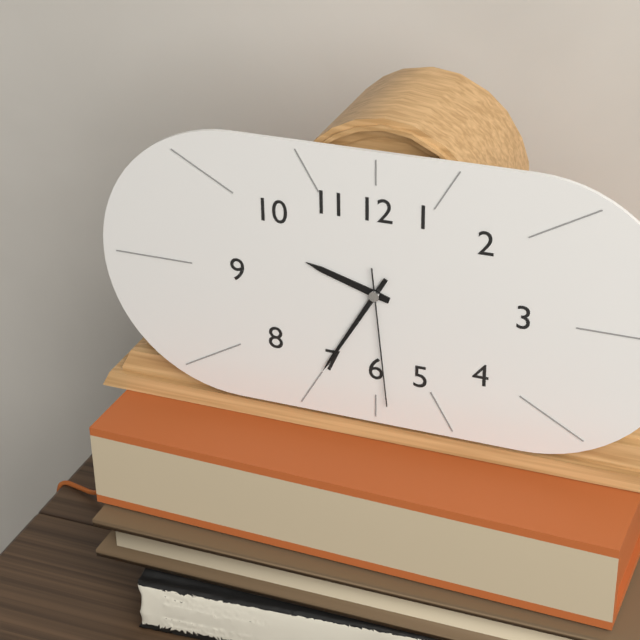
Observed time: 9:35:29
